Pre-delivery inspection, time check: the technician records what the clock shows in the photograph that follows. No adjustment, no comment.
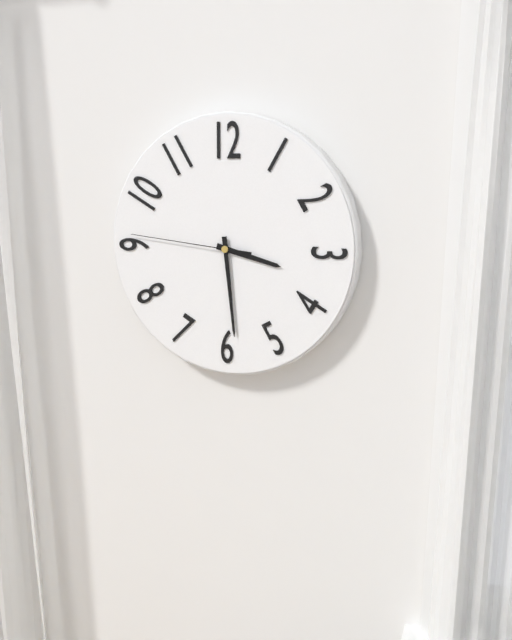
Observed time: 3:29:46
